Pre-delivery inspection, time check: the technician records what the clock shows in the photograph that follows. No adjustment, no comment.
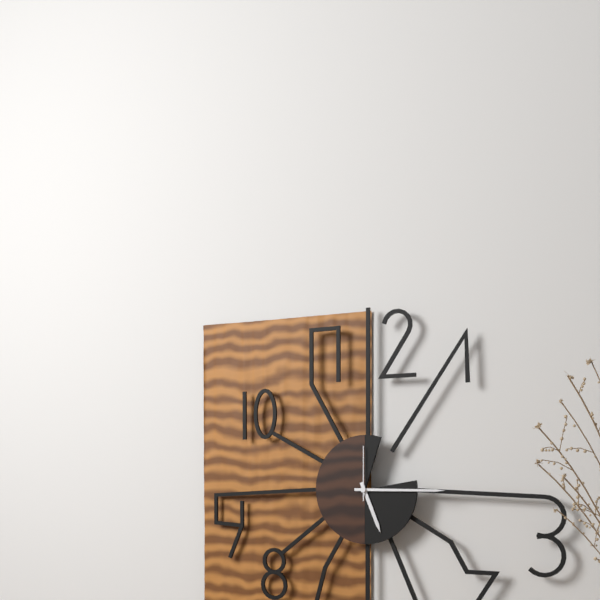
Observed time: 5:15:00
